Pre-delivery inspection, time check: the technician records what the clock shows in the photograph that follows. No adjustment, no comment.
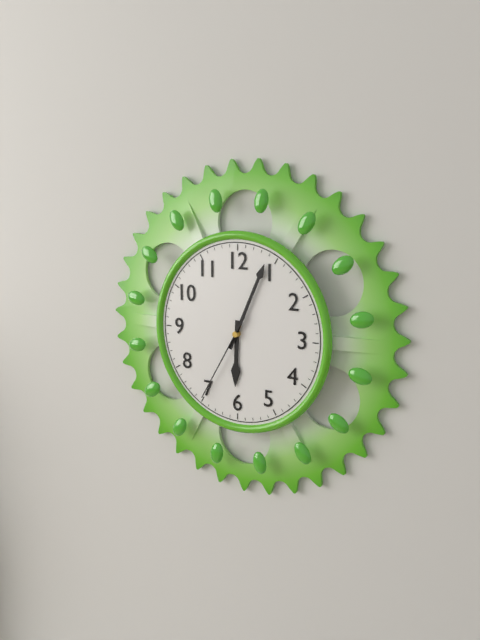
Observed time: 6:04:35
